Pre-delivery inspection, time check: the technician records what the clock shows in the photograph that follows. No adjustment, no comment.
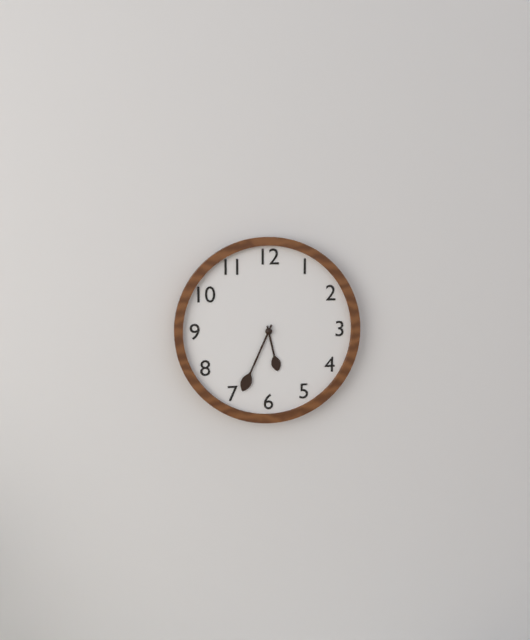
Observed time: 5:34
